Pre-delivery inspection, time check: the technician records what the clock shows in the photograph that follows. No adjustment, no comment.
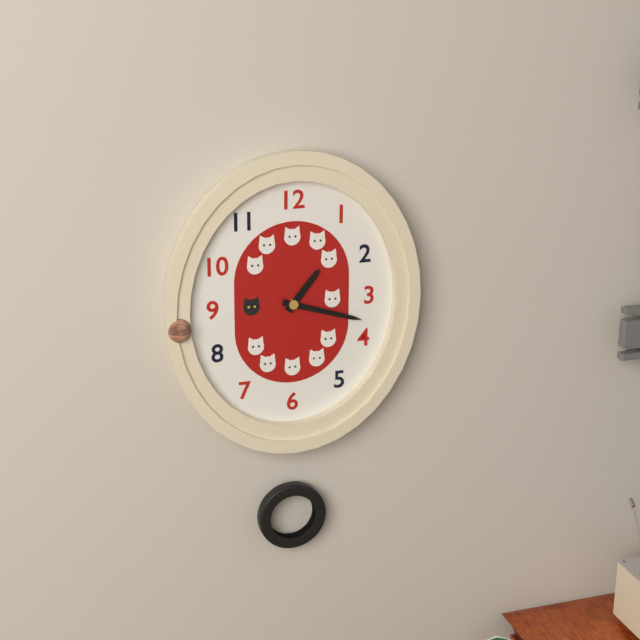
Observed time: 1:18
